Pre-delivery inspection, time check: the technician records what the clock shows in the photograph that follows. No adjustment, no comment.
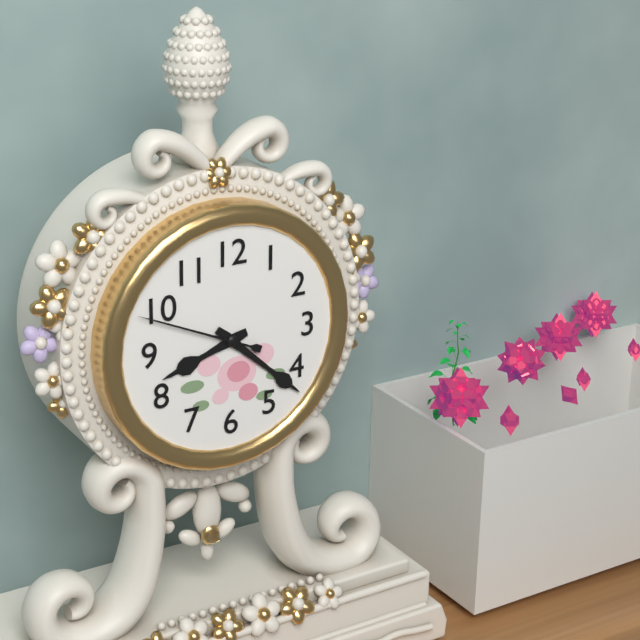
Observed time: 8:22:49
